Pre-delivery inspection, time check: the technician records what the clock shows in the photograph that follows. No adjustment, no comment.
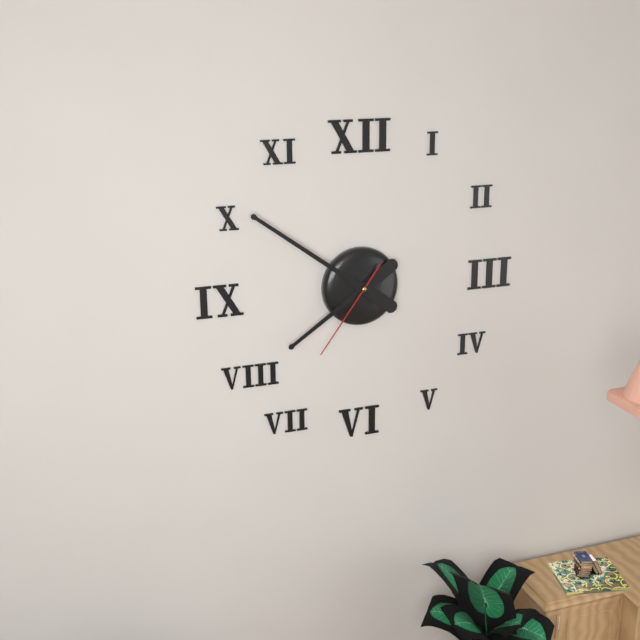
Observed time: 7:51:36
